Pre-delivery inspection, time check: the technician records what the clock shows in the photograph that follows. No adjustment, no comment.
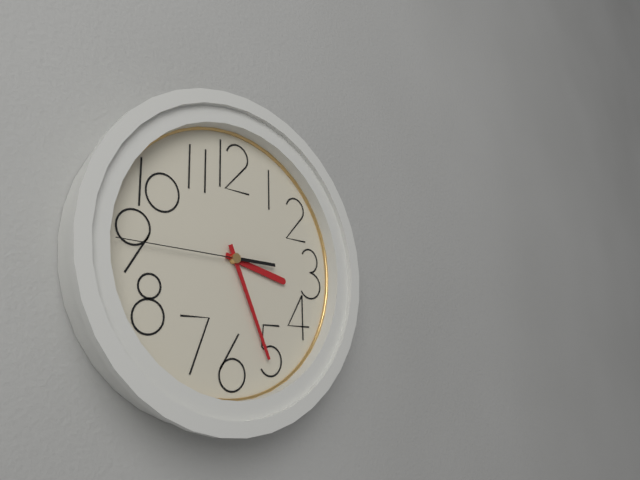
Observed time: 3:26:45
